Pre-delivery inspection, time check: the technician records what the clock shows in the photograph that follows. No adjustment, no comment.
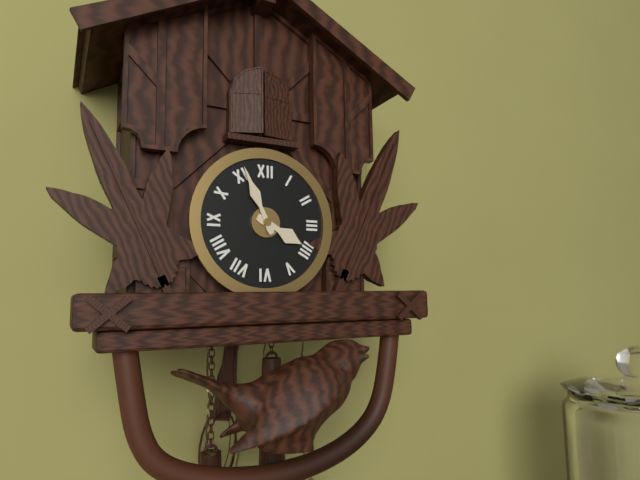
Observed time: 3:56
